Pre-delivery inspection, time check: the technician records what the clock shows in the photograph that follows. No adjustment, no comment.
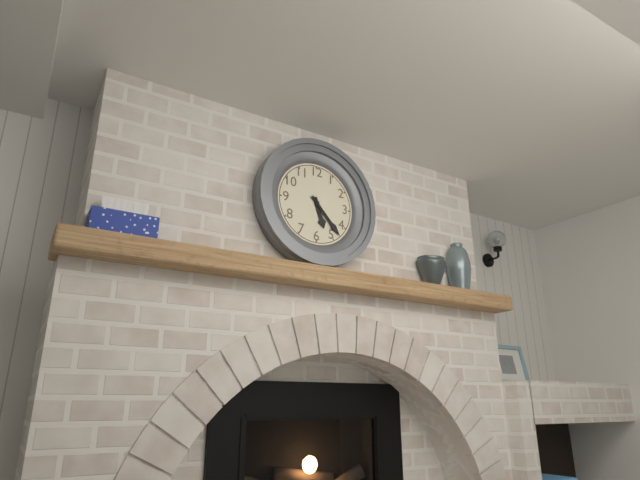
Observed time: 5:23
